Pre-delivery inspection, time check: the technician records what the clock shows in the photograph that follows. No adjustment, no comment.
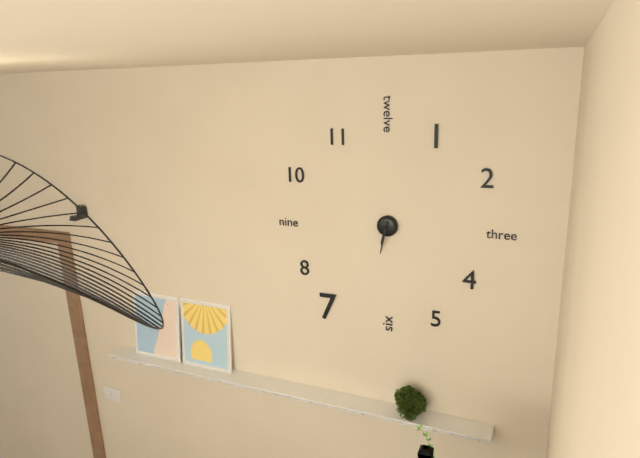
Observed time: 6:32
